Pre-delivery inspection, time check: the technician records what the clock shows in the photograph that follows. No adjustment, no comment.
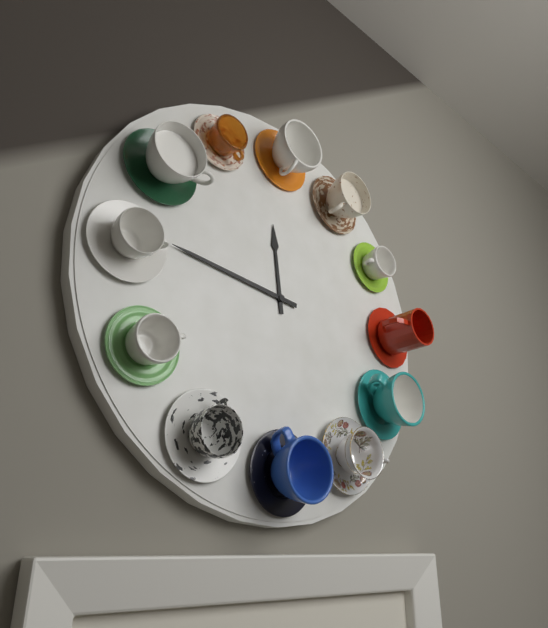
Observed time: 11:46
